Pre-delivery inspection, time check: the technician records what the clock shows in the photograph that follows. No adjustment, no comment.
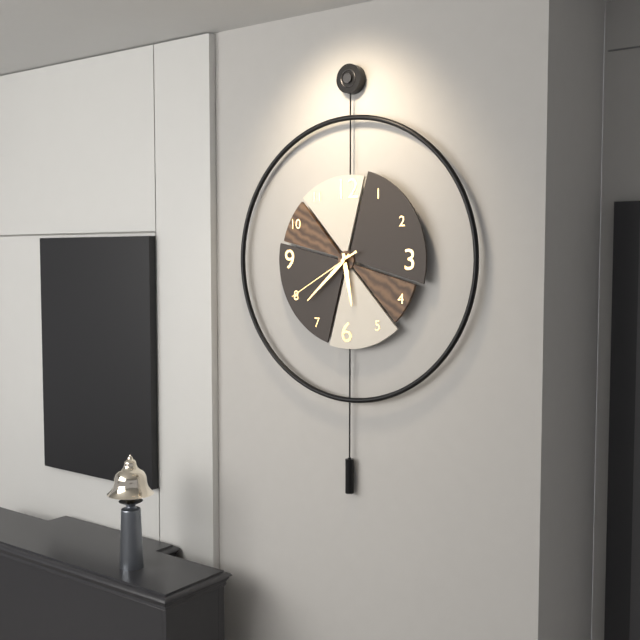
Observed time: 5:38:40
